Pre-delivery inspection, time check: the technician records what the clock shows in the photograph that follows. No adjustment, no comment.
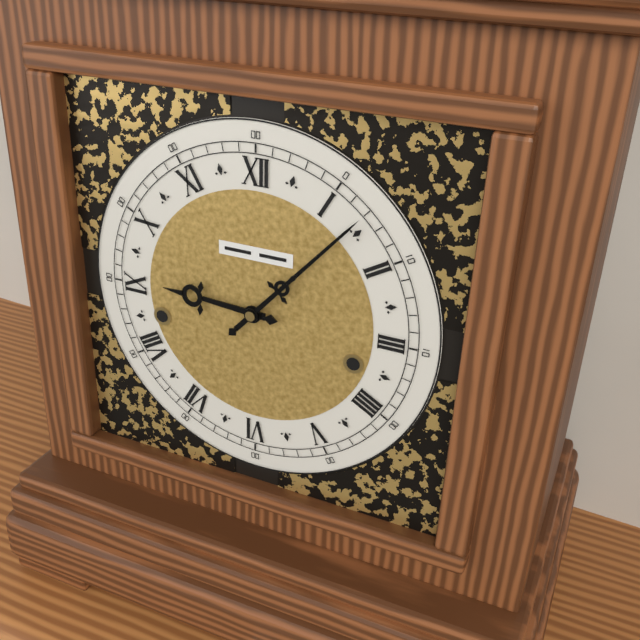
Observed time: 9:07
